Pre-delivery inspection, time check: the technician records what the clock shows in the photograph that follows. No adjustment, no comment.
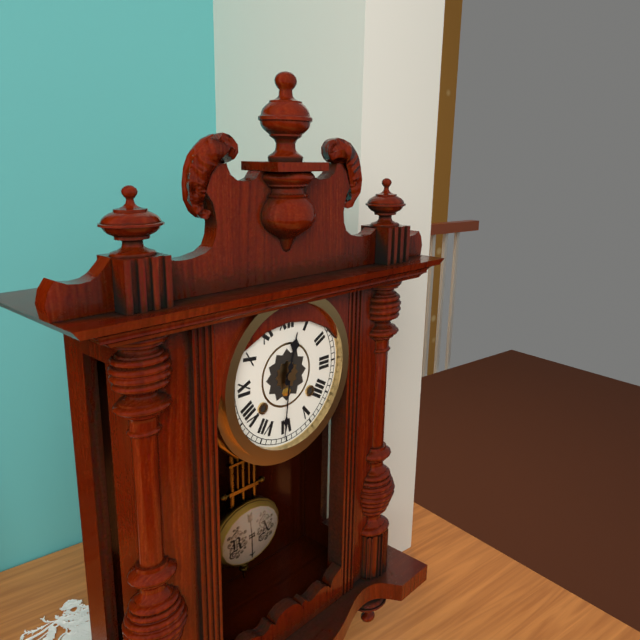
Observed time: 12:31
